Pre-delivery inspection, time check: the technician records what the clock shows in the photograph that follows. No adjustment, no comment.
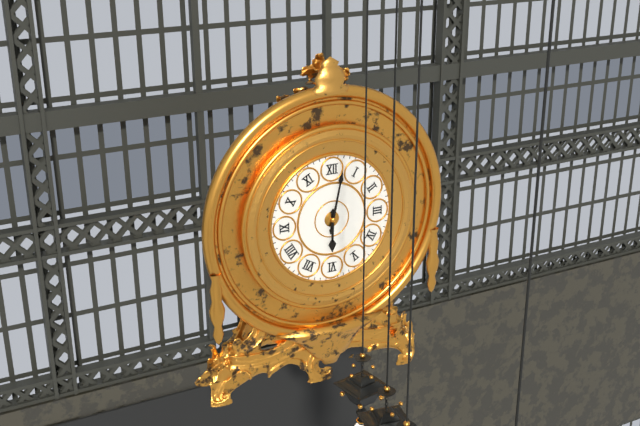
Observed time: 6:02
